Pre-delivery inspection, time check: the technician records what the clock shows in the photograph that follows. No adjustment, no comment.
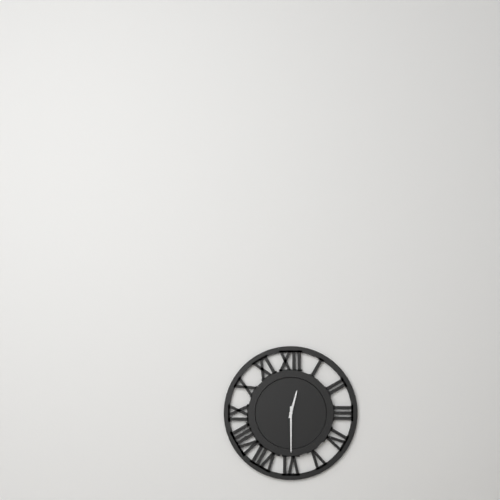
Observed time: 12:30
